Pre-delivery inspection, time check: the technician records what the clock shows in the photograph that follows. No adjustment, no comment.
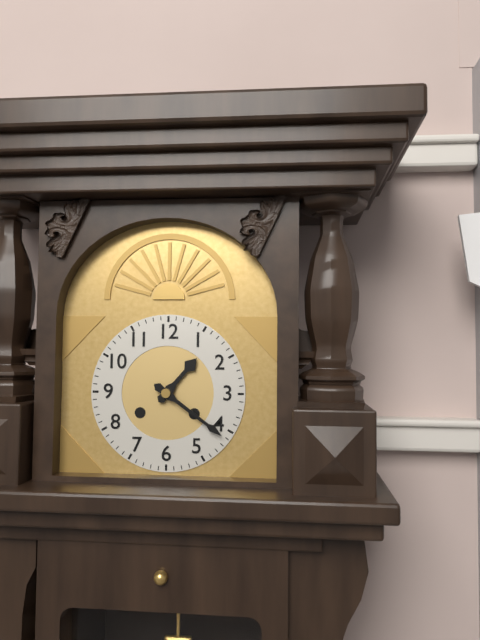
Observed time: 1:21
